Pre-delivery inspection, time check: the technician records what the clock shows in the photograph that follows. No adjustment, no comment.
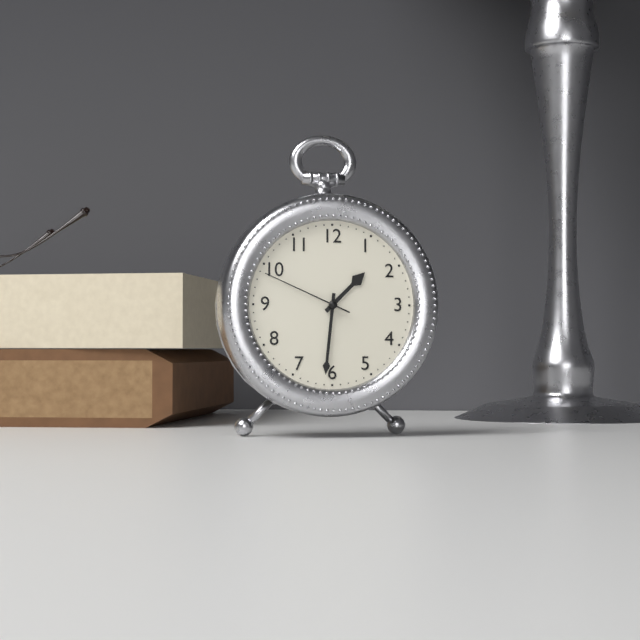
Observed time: 1:31:49
